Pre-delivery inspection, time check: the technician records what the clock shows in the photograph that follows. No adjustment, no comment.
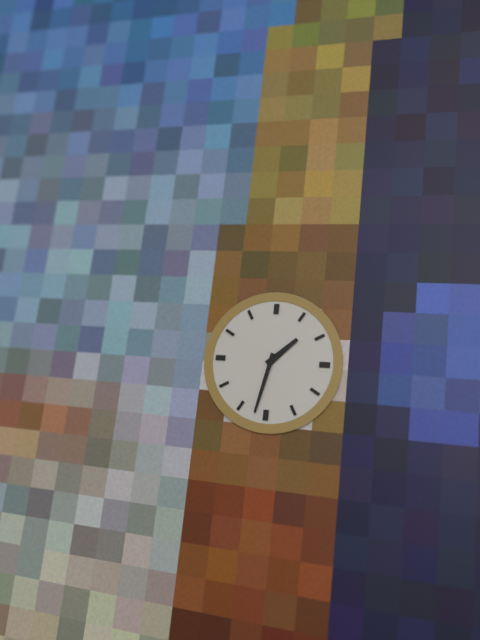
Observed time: 1:32
